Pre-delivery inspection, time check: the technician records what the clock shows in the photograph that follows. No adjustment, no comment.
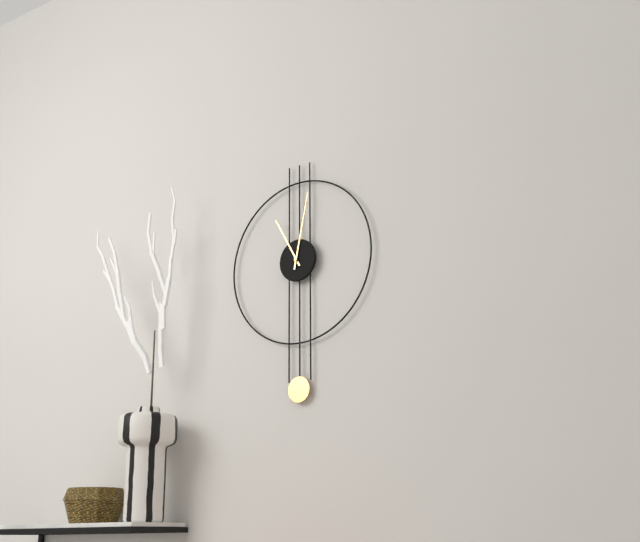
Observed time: 11:02
